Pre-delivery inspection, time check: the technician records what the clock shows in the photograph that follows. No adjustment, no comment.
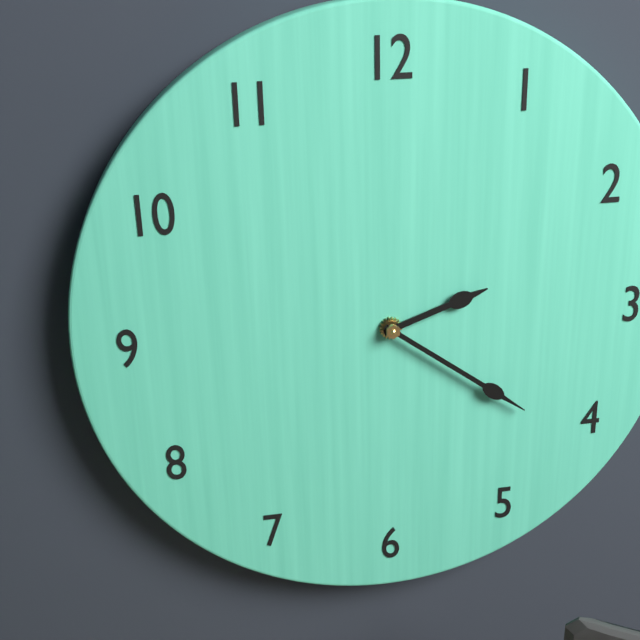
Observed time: 2:21
